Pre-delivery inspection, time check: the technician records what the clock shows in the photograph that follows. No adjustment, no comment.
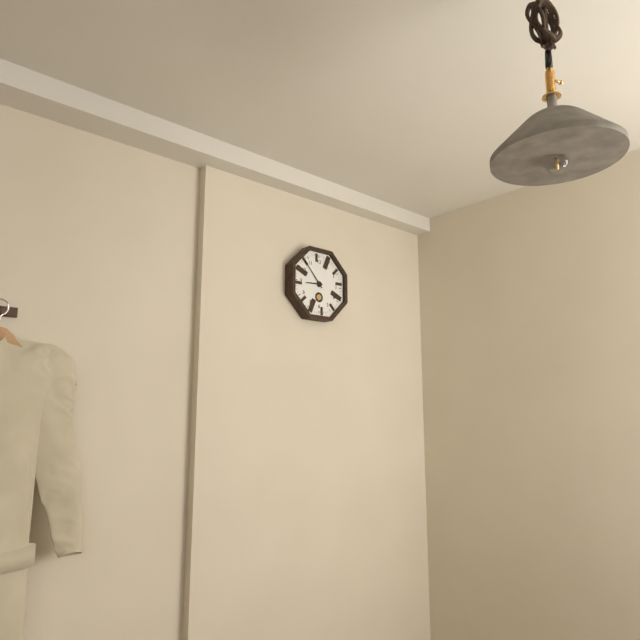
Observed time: 8:53
